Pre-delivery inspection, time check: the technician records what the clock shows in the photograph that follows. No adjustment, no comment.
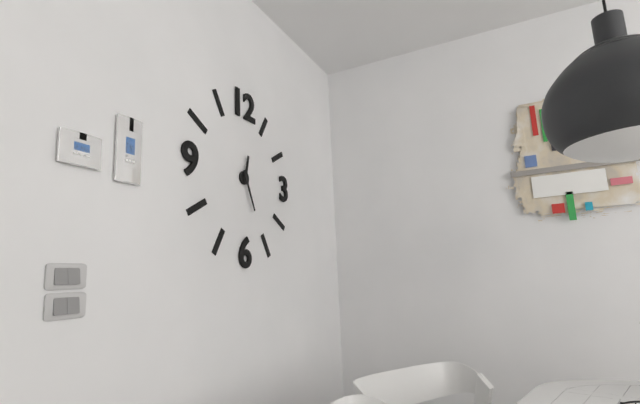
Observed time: 12:26
